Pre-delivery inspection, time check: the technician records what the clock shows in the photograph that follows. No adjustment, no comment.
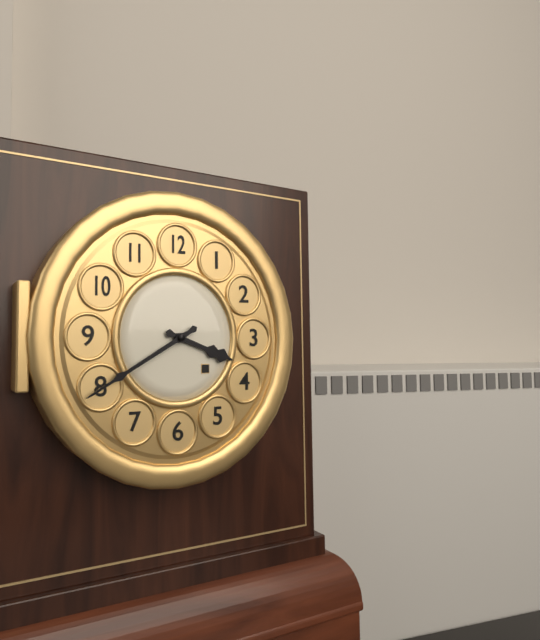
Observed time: 3:40
